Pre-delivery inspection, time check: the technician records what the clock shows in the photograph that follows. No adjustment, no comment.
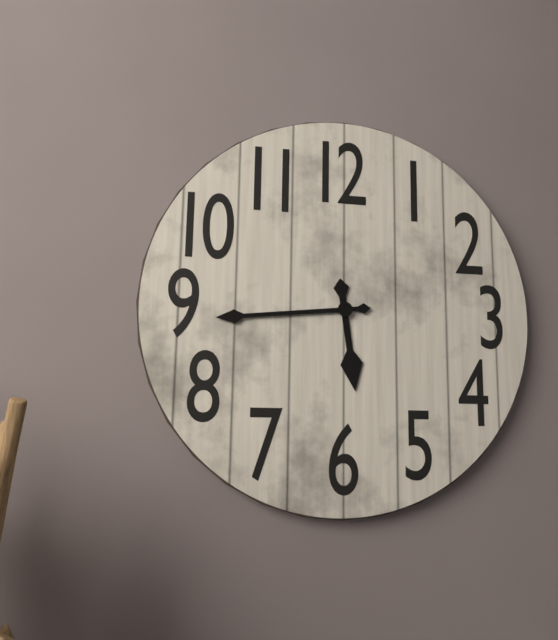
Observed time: 5:44
